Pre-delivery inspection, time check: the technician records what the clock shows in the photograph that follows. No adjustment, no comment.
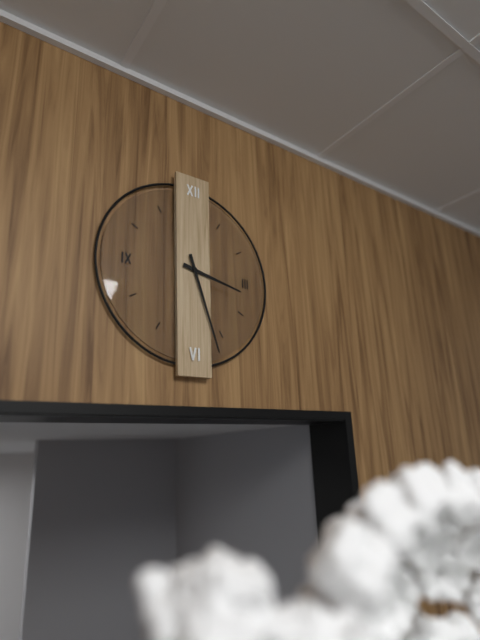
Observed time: 3:27
